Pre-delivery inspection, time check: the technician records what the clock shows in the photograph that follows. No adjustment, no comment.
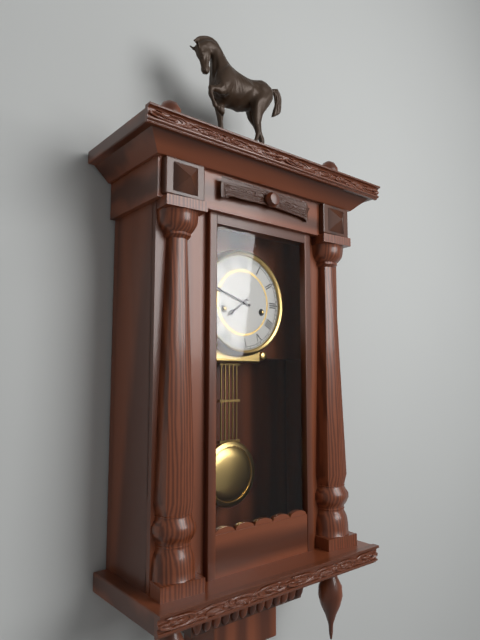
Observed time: 7:48
